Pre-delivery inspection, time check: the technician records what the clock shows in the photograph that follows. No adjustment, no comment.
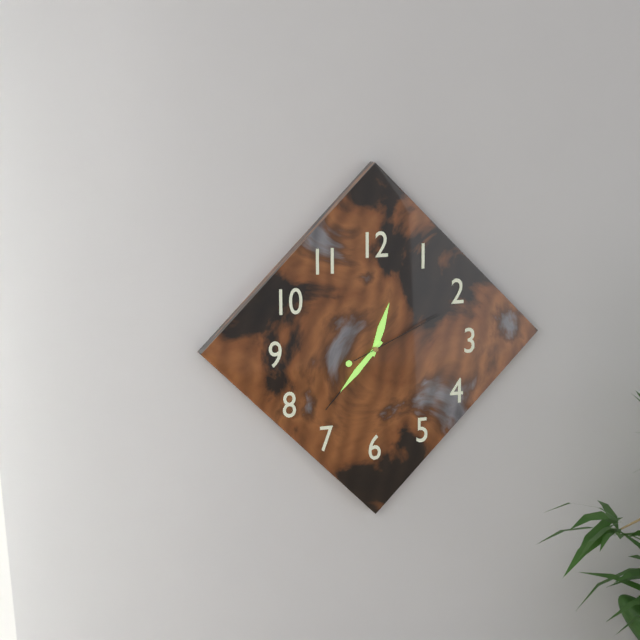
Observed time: 12:37:11
